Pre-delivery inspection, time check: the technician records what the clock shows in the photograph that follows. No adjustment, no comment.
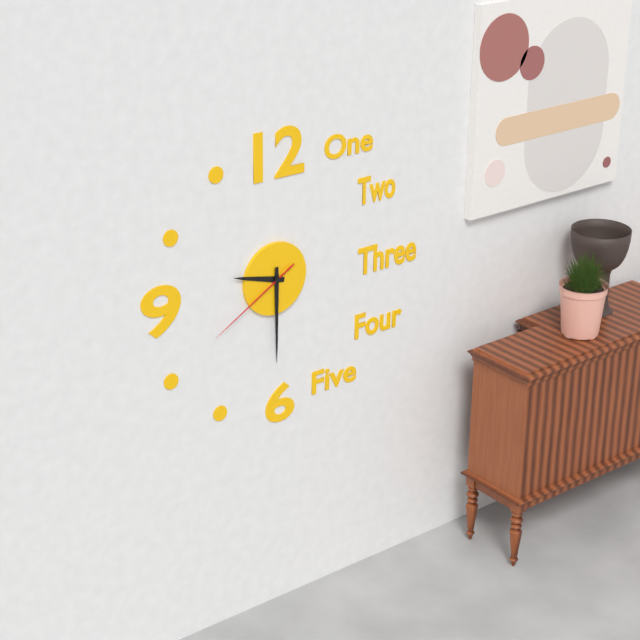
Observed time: 9:30:40
